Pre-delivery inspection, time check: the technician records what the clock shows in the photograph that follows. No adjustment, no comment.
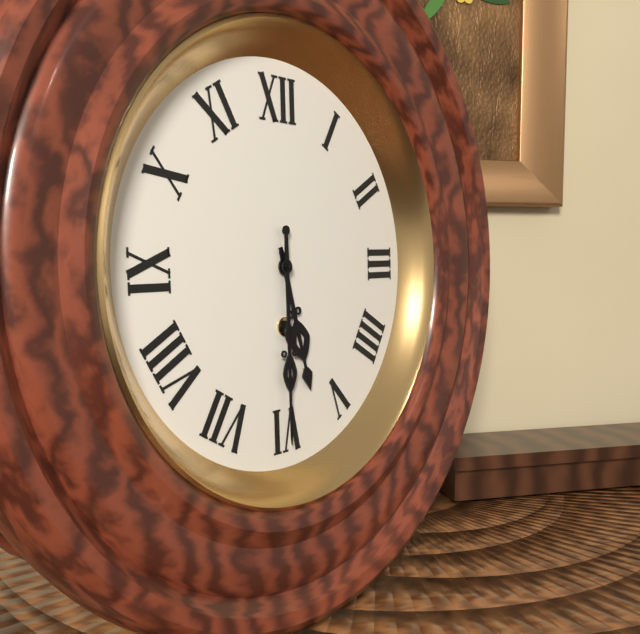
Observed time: 5:30
